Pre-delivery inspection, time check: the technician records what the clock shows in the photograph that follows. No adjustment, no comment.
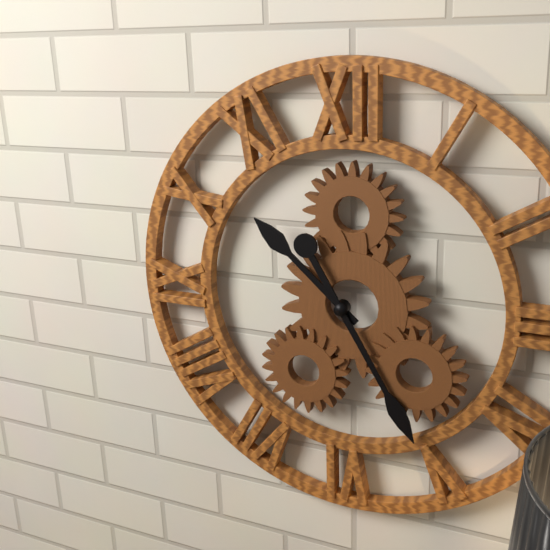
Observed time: 10:25
